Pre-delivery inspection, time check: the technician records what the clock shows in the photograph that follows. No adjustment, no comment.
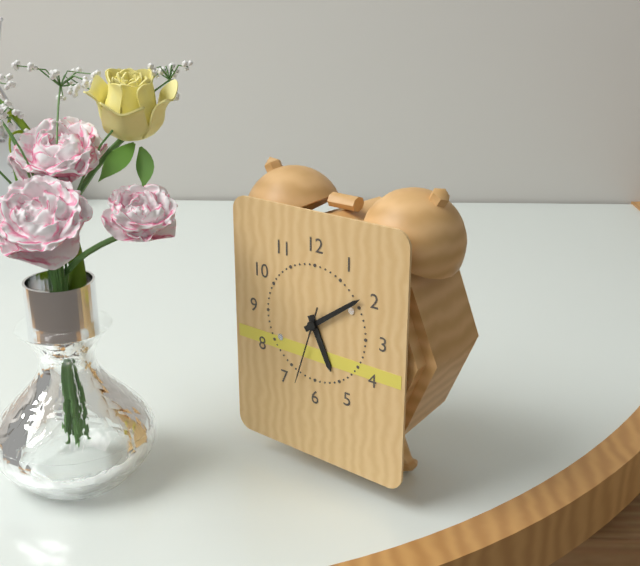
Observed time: 5:09:33
